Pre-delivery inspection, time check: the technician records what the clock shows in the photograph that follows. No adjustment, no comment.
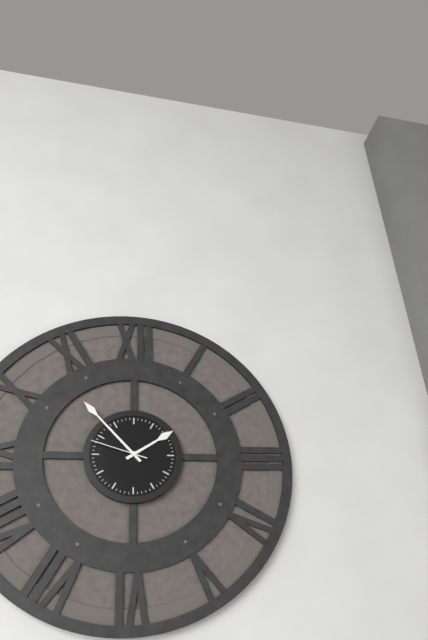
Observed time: 1:53:48
